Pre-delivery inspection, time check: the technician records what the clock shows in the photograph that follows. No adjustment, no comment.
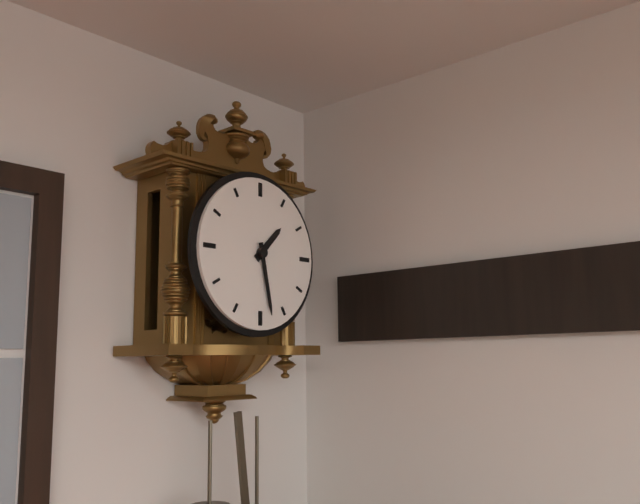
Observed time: 1:28
